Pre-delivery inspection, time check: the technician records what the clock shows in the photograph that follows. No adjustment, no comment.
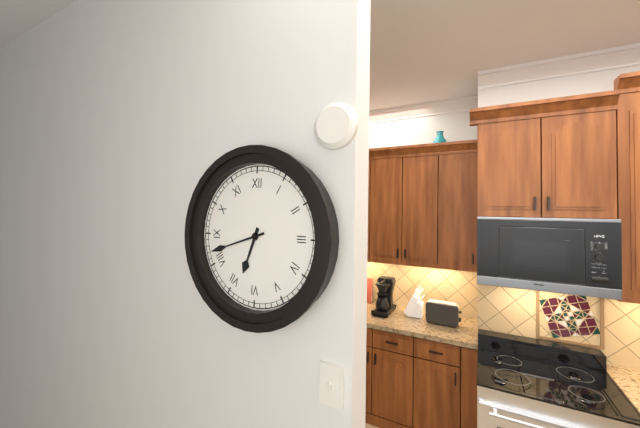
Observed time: 6:42
